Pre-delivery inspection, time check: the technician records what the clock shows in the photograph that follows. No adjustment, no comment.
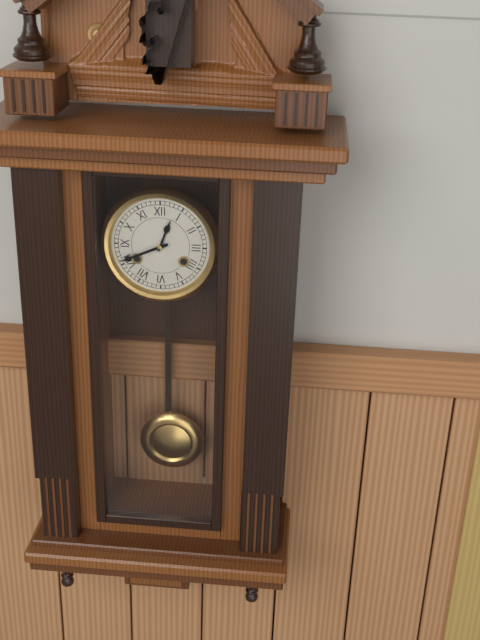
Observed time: 12:41
